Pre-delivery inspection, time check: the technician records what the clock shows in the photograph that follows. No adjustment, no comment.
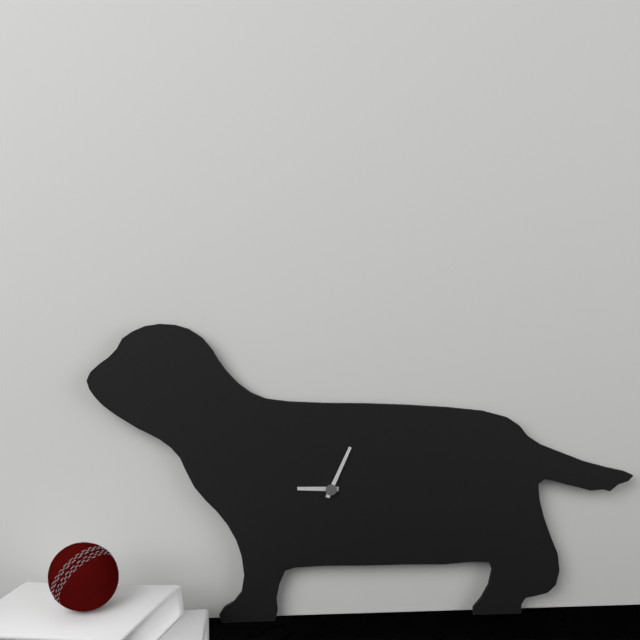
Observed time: 9:04
